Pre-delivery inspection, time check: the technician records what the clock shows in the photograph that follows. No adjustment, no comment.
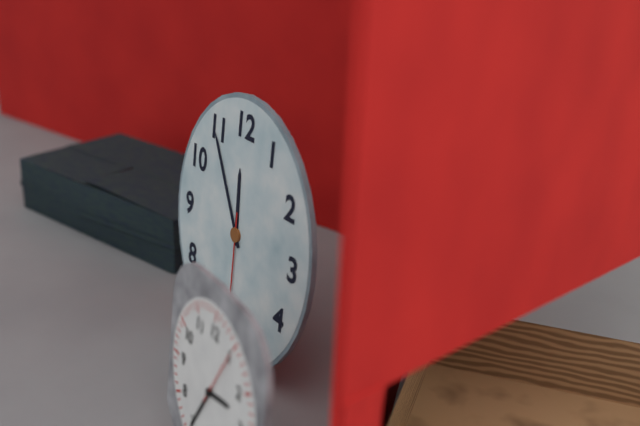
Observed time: 11:55
